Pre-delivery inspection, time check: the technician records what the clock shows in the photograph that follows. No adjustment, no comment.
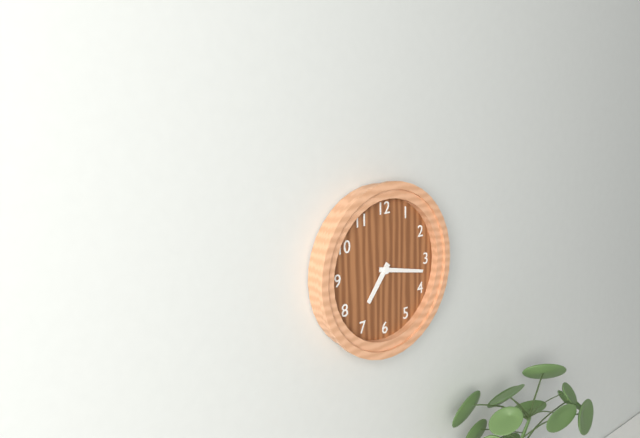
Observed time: 7:17
